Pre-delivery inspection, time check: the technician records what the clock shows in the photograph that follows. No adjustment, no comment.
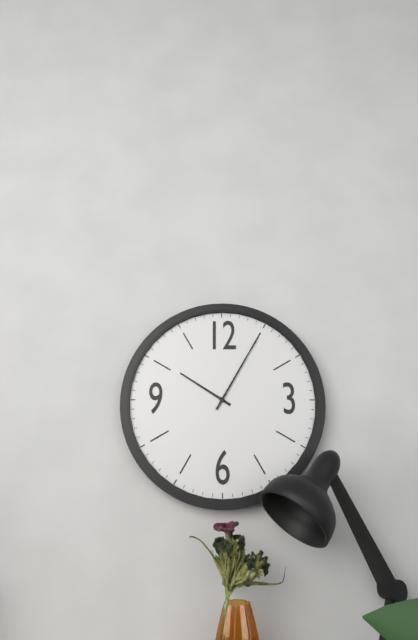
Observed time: 10:05
